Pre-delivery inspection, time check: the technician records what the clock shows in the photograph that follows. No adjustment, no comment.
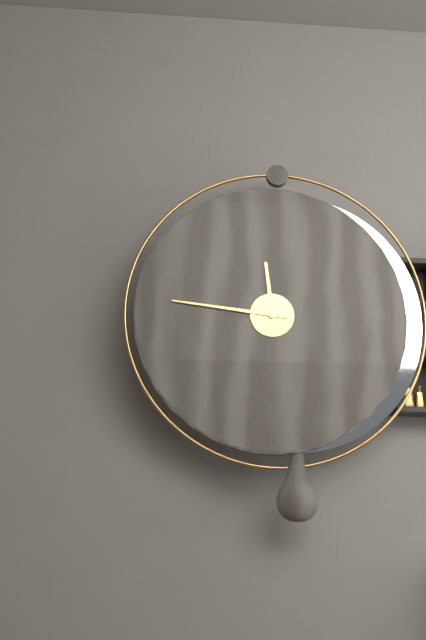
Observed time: 11:46
